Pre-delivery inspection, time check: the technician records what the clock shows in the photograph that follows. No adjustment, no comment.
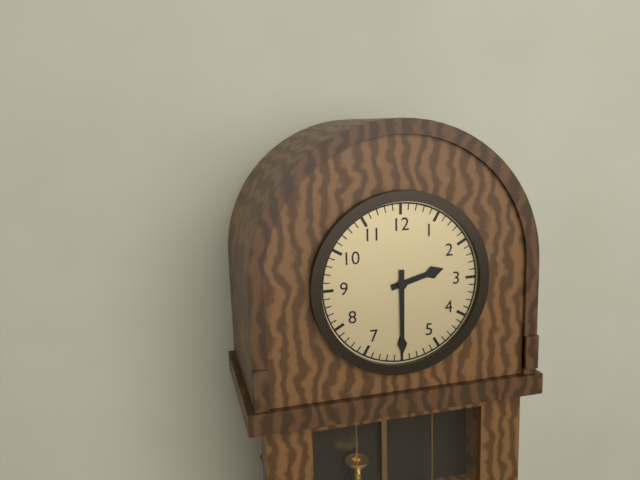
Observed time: 2:30
